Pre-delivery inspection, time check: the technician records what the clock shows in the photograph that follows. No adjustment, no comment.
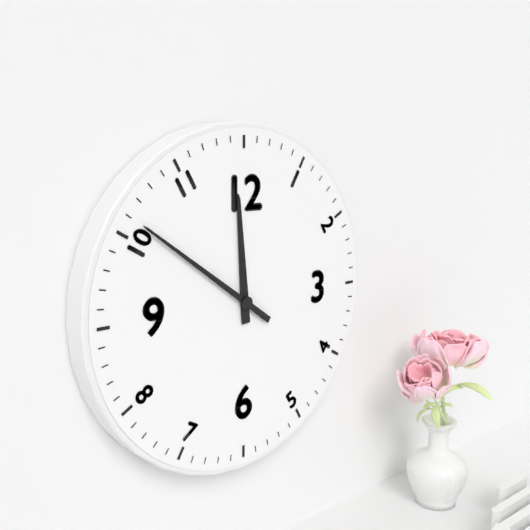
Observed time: 11:51
